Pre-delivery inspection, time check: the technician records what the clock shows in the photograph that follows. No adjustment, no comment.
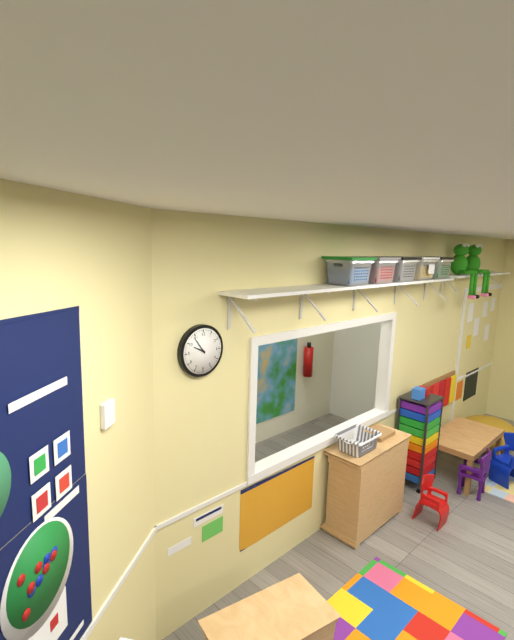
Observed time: 9:54
